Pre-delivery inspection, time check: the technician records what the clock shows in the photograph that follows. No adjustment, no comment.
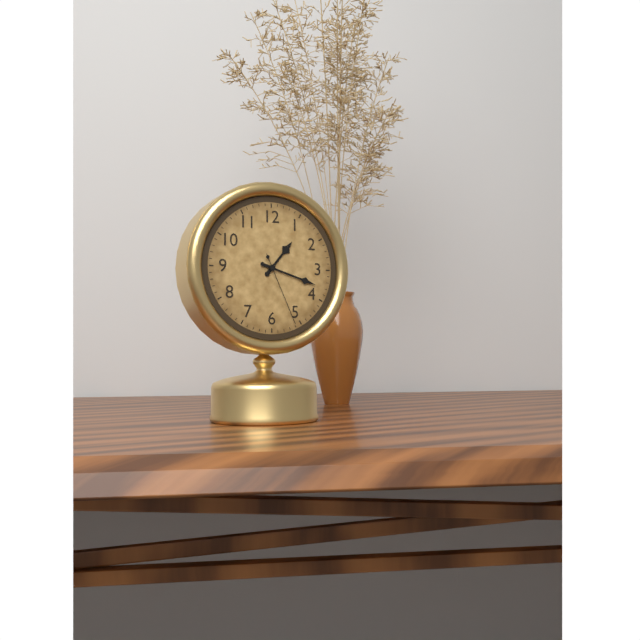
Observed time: 1:18:26
